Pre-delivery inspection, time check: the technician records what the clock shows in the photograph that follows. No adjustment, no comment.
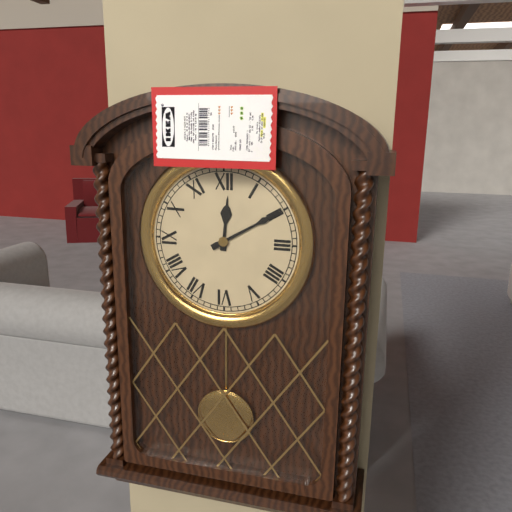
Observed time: 12:10
